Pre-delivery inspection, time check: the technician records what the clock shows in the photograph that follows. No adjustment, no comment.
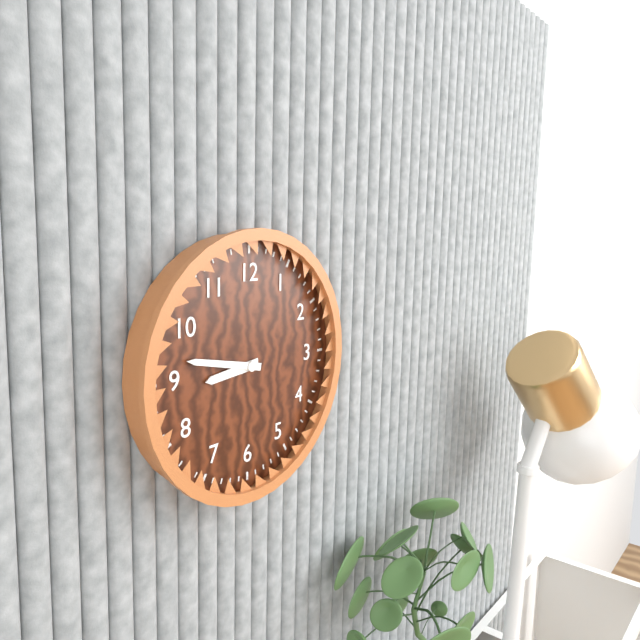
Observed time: 8:47
